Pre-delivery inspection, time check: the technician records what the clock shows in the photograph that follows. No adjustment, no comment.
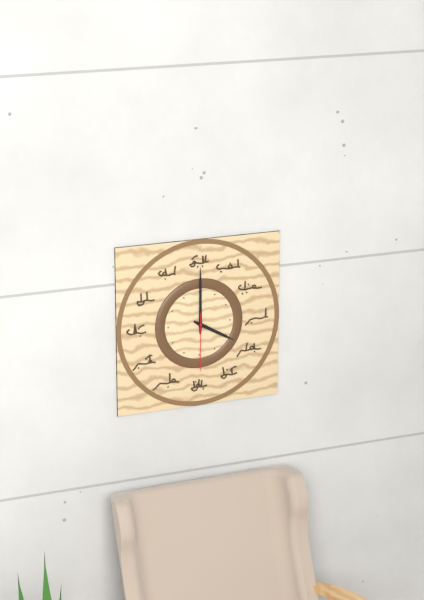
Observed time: 4:00:30
